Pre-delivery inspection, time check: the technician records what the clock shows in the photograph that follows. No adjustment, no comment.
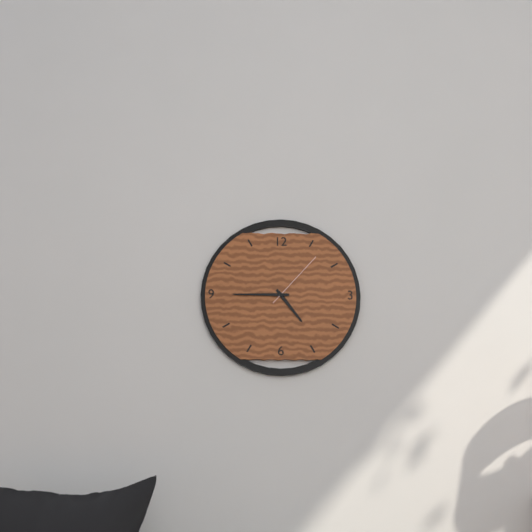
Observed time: 4:45:07
